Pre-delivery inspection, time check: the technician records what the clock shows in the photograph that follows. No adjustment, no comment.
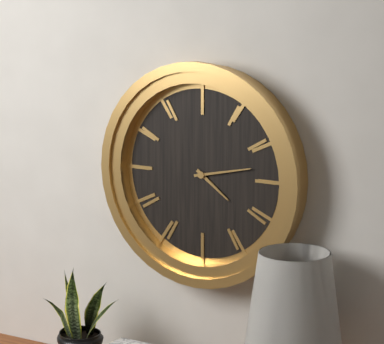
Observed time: 4:13
